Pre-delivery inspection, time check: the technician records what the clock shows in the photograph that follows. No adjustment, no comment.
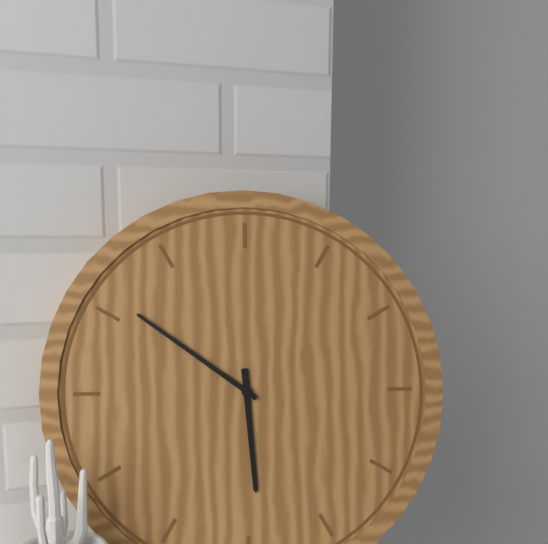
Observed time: 5:51
